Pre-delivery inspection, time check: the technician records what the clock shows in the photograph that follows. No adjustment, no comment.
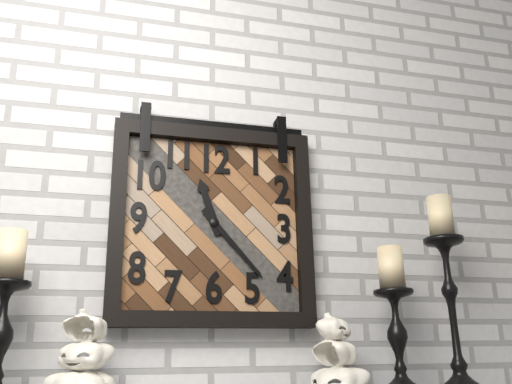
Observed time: 11:23
